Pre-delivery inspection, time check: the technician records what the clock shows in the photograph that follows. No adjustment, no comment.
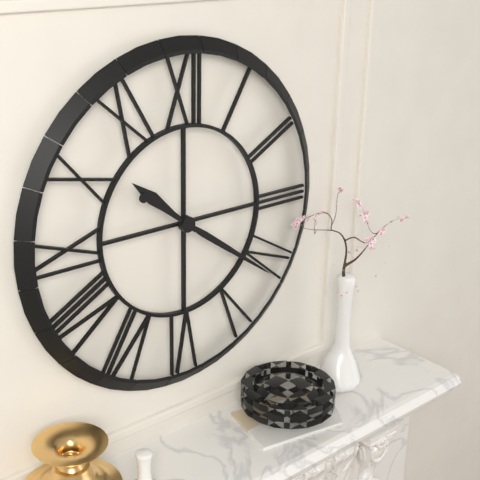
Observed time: 10:21
